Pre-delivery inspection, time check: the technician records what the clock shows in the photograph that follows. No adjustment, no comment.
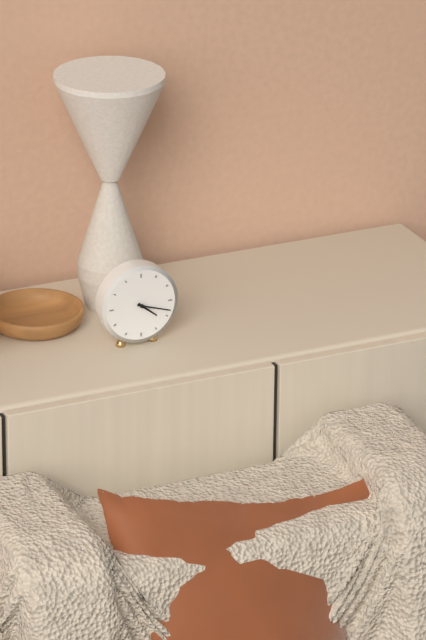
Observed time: 4:18
